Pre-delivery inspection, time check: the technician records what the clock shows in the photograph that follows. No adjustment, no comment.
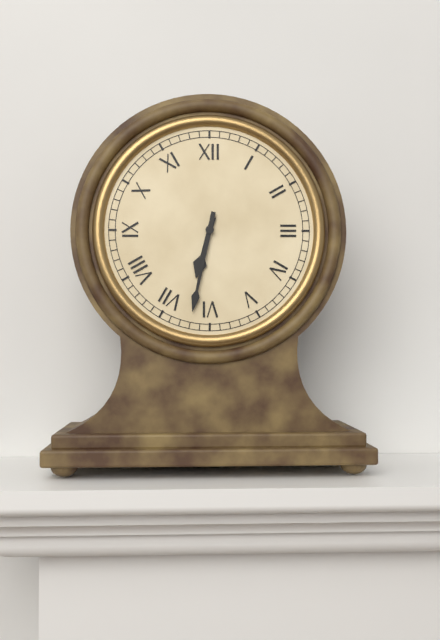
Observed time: 6:32
